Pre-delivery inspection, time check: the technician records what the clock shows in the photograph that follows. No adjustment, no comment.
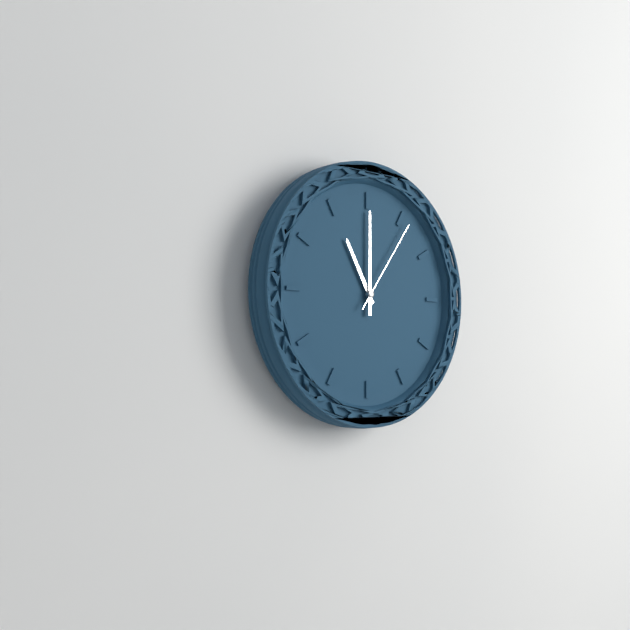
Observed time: 11:00:06
